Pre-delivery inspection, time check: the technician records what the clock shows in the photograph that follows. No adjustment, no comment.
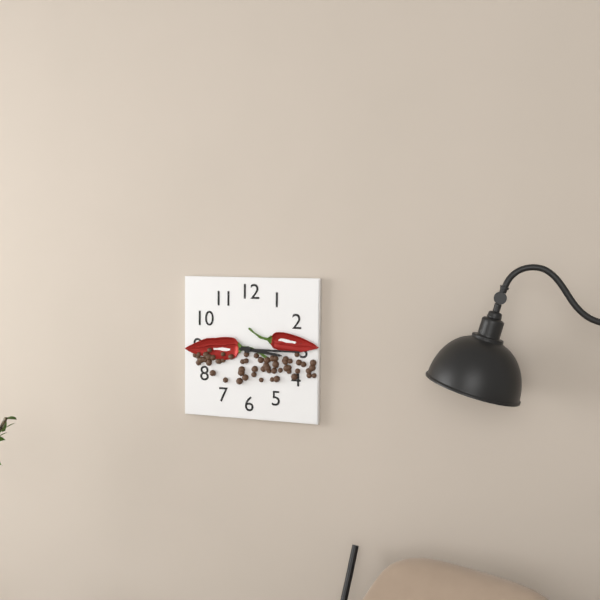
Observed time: 3:15
